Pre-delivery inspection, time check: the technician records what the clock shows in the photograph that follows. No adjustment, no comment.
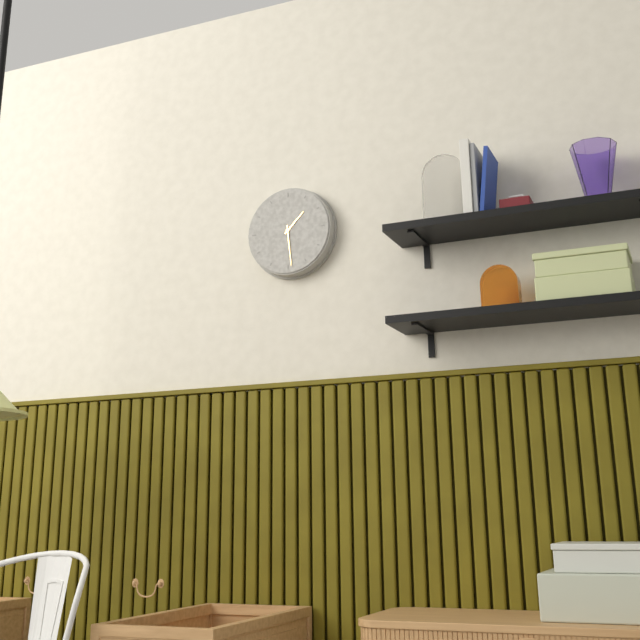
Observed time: 1:29
